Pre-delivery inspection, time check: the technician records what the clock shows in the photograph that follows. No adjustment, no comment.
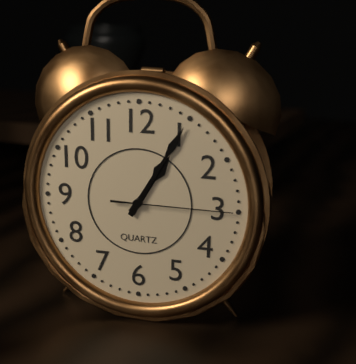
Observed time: 1:05:15
